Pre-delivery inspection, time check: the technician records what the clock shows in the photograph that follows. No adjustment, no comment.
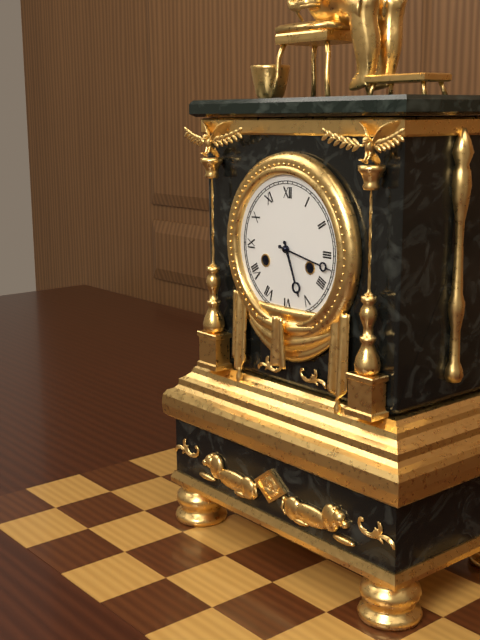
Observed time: 5:17
